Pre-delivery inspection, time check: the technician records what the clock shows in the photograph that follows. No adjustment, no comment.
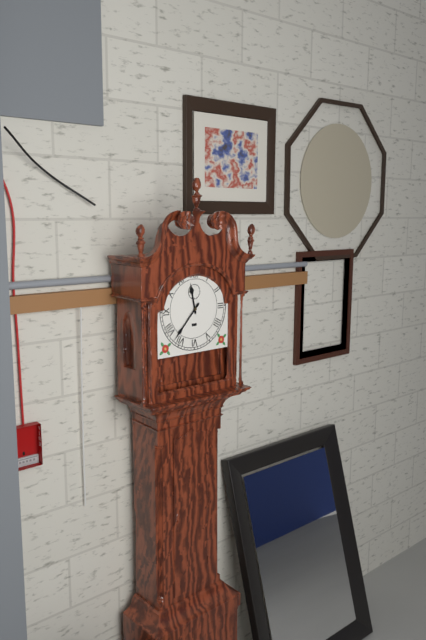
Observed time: 11:37
